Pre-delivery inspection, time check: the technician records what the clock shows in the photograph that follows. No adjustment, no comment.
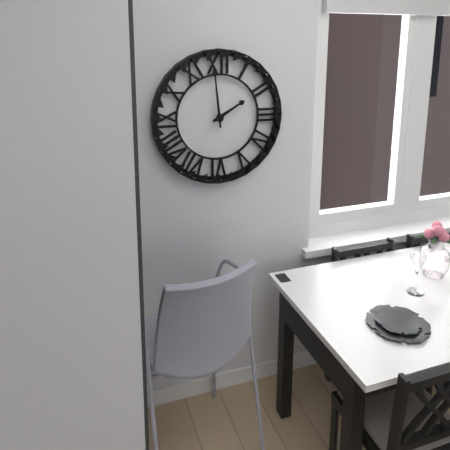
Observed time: 1:59
